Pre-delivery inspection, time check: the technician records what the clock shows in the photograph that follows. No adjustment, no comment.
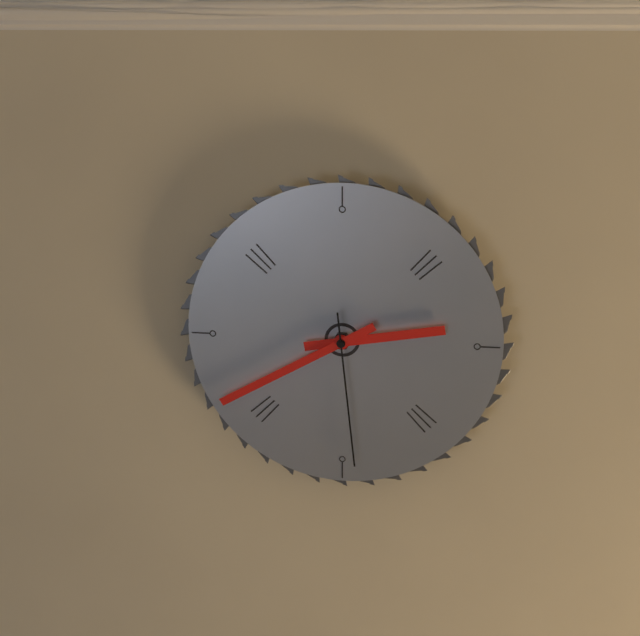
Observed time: 2:40:29
